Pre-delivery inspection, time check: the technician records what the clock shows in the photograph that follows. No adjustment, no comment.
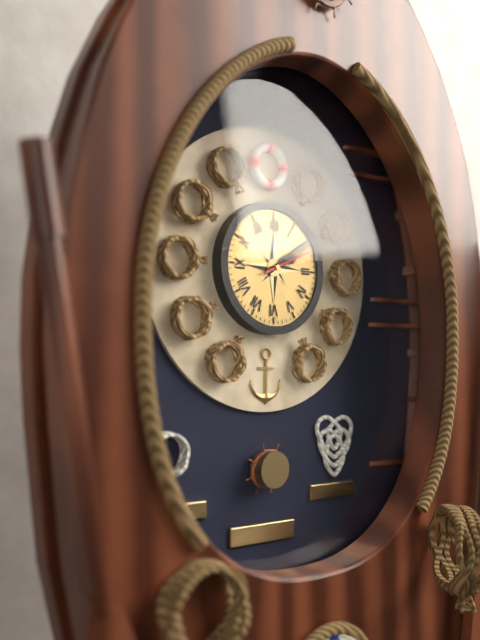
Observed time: 2:09:11
